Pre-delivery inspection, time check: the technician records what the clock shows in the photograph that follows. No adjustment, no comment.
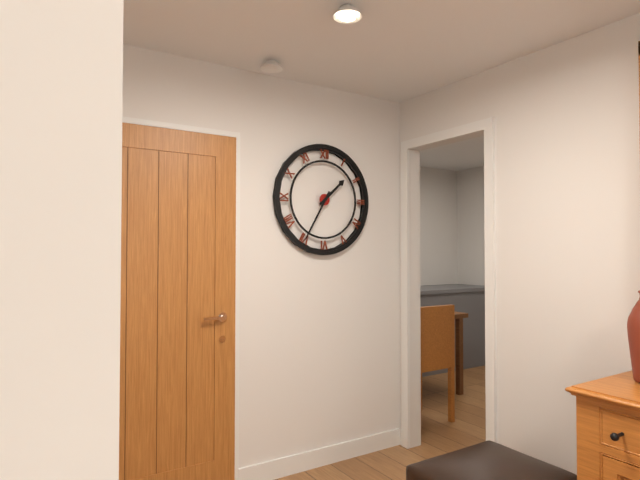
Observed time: 1:35
